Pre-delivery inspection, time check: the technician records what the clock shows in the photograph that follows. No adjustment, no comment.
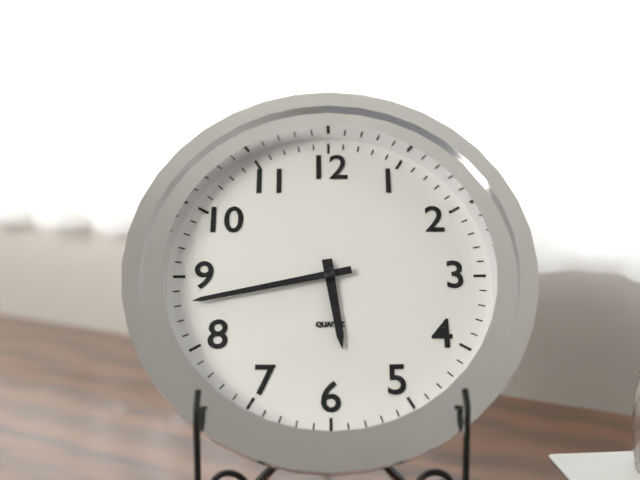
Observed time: 5:43
